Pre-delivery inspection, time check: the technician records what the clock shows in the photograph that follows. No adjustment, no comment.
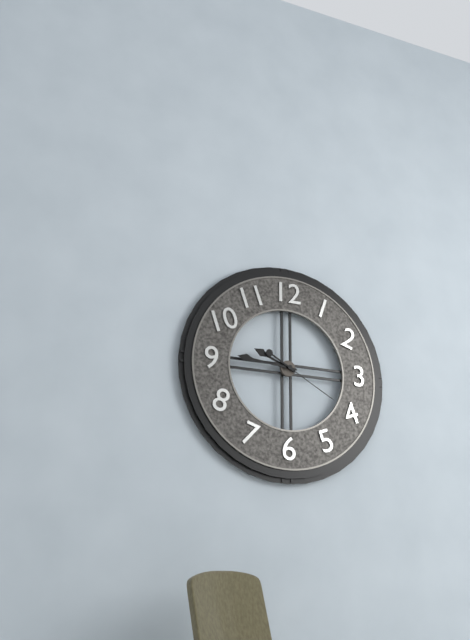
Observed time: 9:46:20
